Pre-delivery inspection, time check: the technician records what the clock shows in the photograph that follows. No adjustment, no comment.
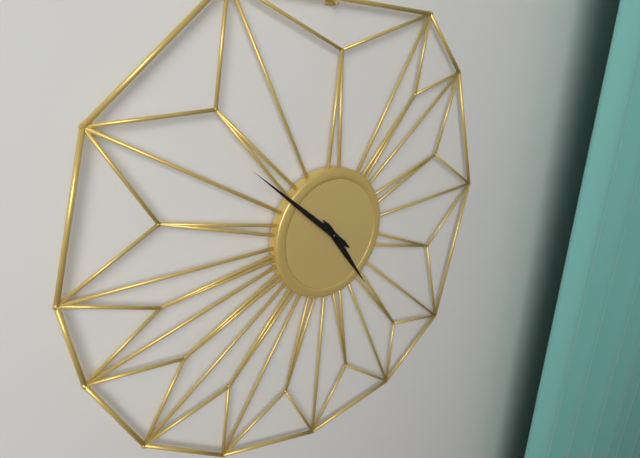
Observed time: 4:52
